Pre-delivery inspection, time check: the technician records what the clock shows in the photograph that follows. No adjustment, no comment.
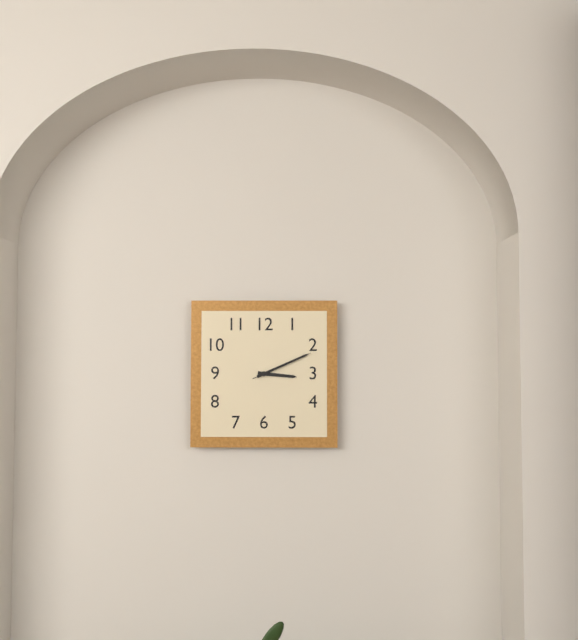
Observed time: 3:11:11
